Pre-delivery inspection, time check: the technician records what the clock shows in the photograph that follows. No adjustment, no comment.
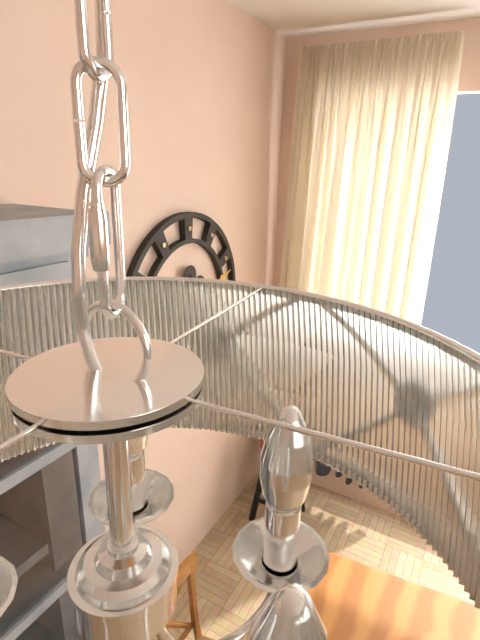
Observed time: 9:11
